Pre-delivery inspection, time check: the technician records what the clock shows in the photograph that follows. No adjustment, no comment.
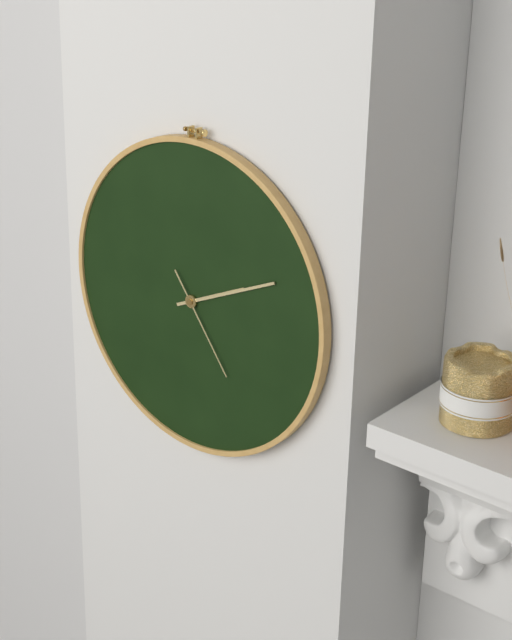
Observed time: 2:11:24
